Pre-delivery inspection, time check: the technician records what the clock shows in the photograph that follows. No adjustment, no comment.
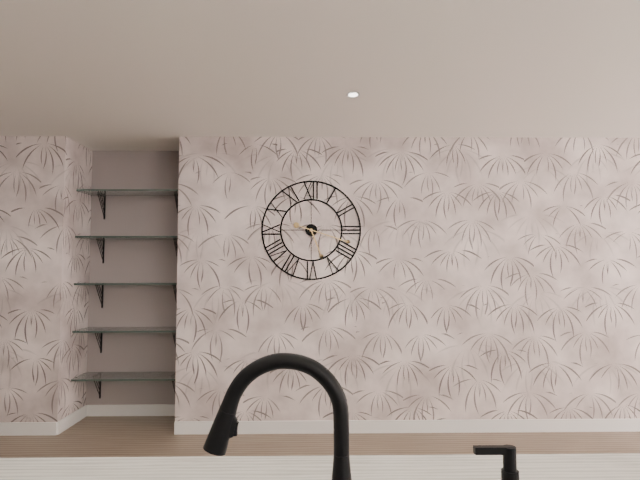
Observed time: 5:18
